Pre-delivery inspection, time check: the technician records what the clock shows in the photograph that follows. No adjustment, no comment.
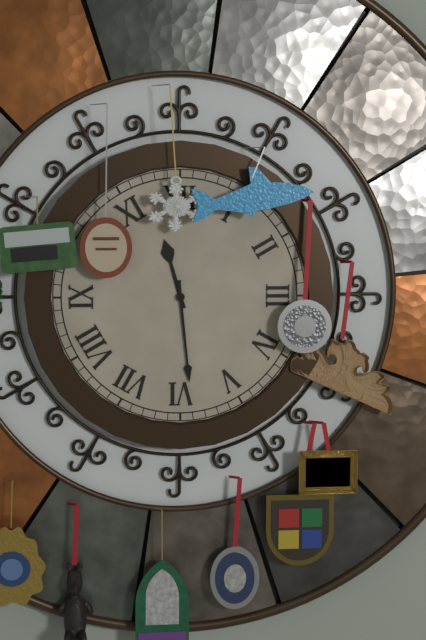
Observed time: 11:29
